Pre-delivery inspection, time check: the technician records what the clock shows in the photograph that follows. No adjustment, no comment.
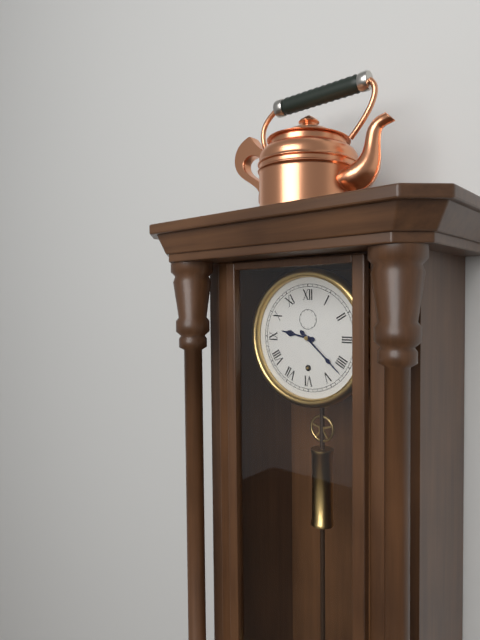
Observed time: 9:22
